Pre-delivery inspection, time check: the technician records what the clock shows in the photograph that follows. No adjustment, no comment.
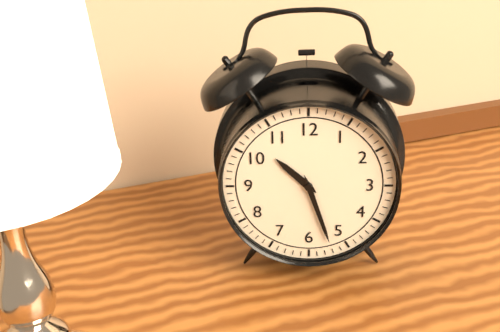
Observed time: 10:27
